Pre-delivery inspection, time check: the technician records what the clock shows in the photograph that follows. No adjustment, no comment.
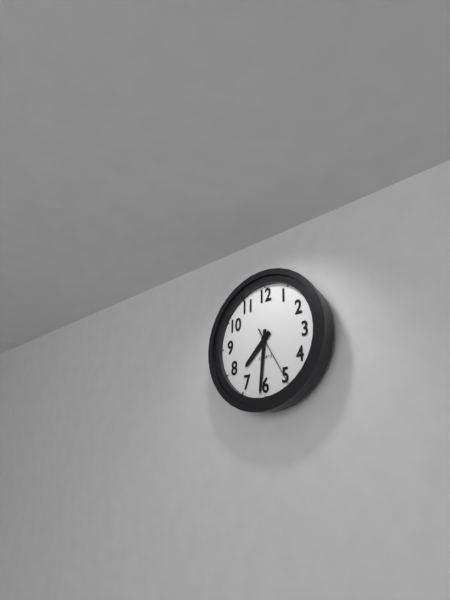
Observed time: 7:31:25
